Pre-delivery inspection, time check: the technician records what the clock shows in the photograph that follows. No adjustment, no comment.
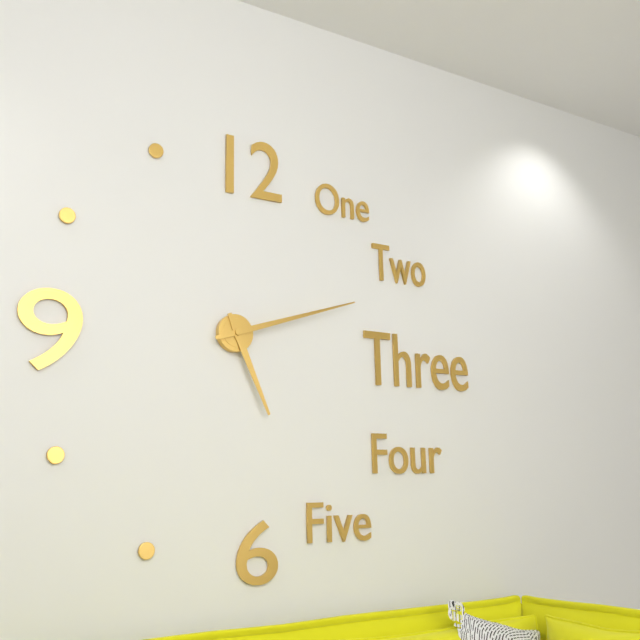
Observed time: 5:12
